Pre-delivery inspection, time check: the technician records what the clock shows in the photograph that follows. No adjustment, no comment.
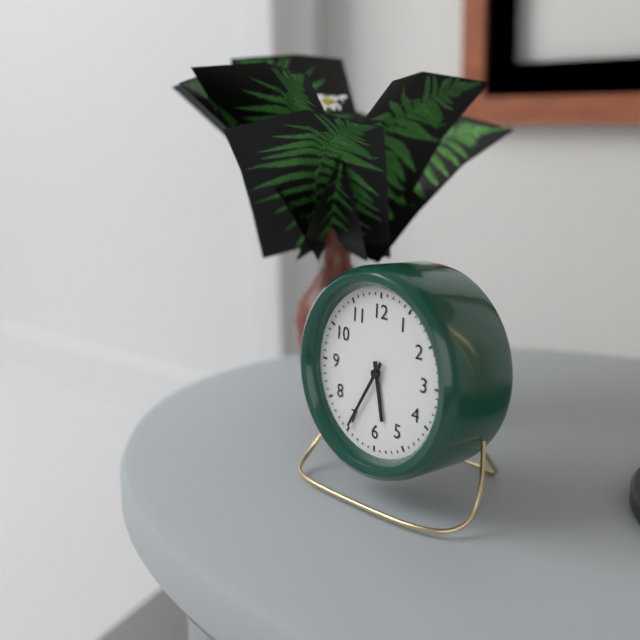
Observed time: 5:35
